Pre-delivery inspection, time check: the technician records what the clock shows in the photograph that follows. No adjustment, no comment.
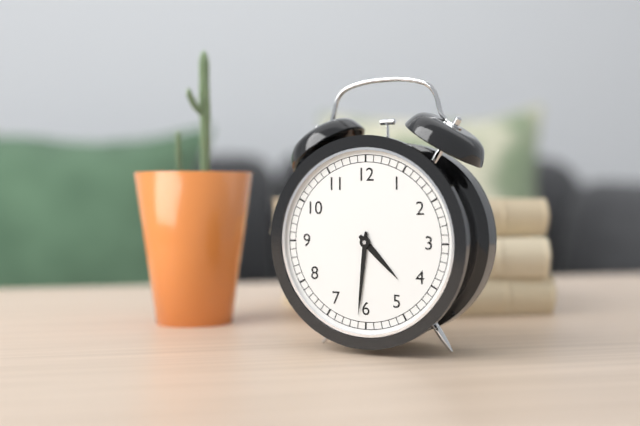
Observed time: 4:31
